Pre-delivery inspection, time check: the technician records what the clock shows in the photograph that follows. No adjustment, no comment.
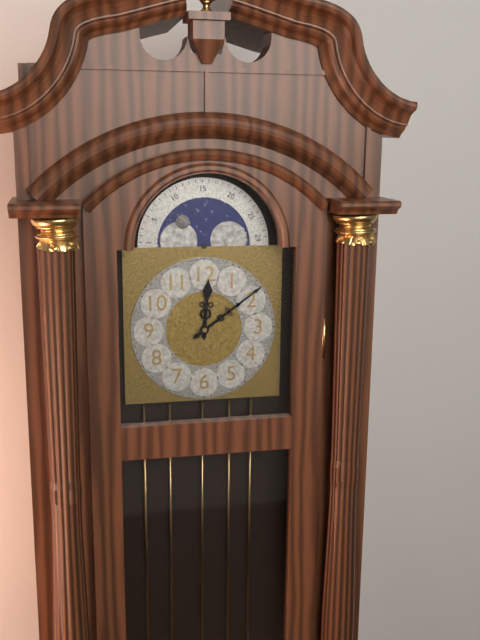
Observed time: 12:09
